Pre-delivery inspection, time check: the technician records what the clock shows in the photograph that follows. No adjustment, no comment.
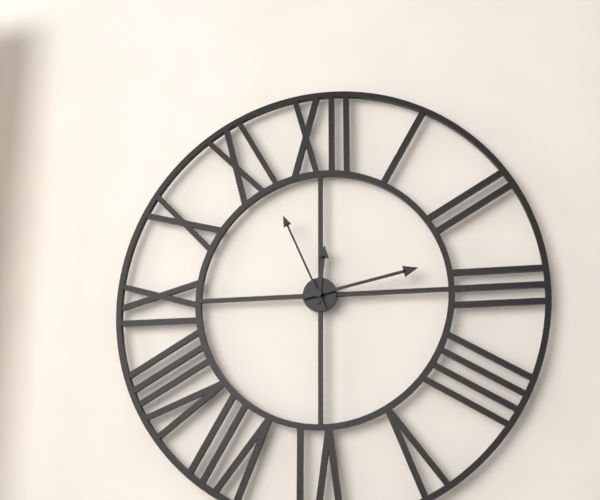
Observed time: 12:13:56
